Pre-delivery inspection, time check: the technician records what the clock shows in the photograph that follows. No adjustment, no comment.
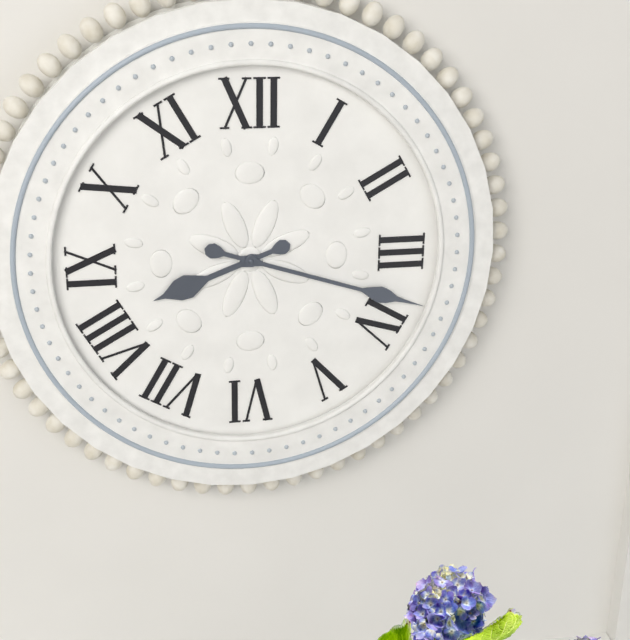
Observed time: 8:18
